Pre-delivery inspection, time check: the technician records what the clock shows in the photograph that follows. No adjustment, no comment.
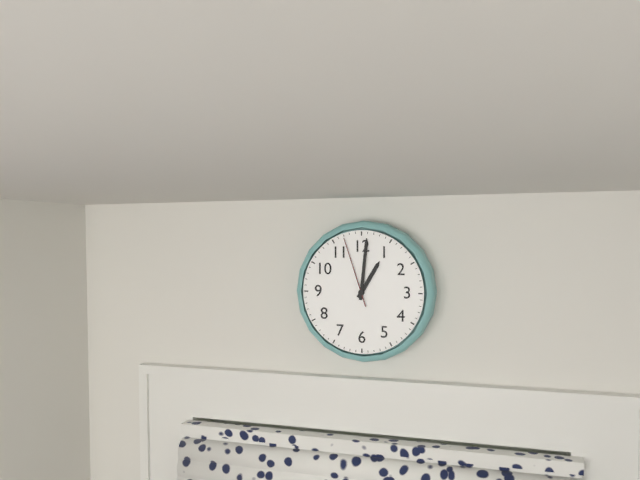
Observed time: 1:01:57
